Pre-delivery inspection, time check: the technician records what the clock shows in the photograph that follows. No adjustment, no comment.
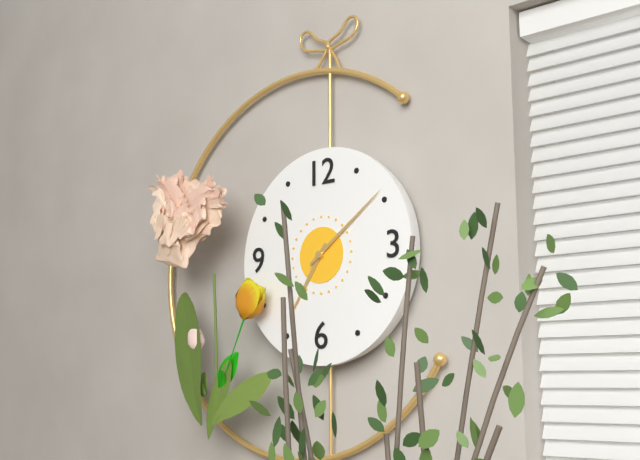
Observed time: 7:09
